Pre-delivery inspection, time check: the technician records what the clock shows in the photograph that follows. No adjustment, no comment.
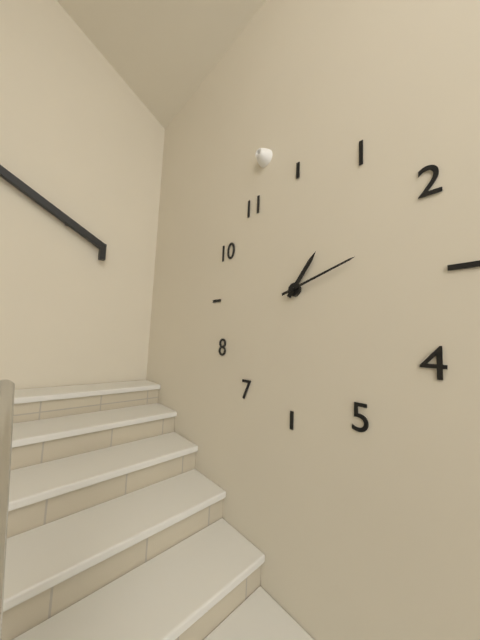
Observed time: 1:12
